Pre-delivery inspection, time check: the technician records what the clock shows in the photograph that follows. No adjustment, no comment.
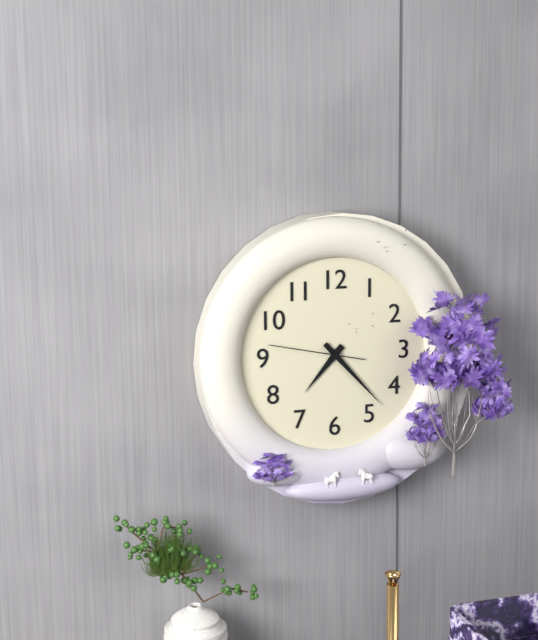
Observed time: 7:23:47
